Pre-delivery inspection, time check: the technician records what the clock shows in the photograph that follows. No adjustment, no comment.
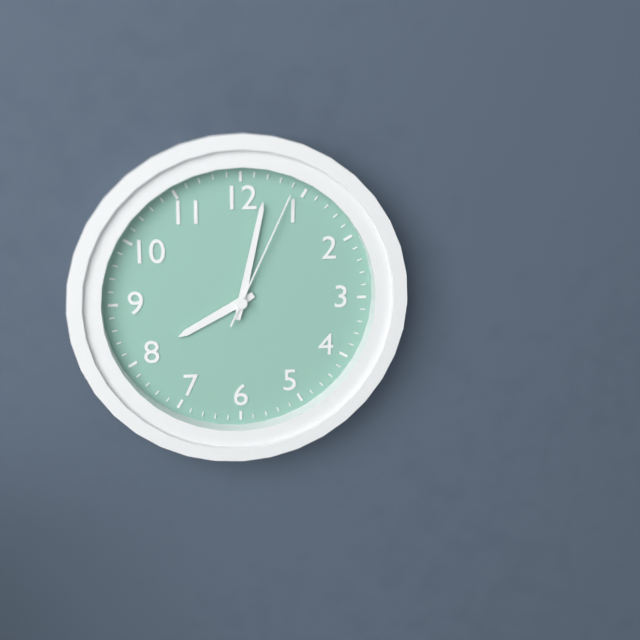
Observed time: 8:02:04
